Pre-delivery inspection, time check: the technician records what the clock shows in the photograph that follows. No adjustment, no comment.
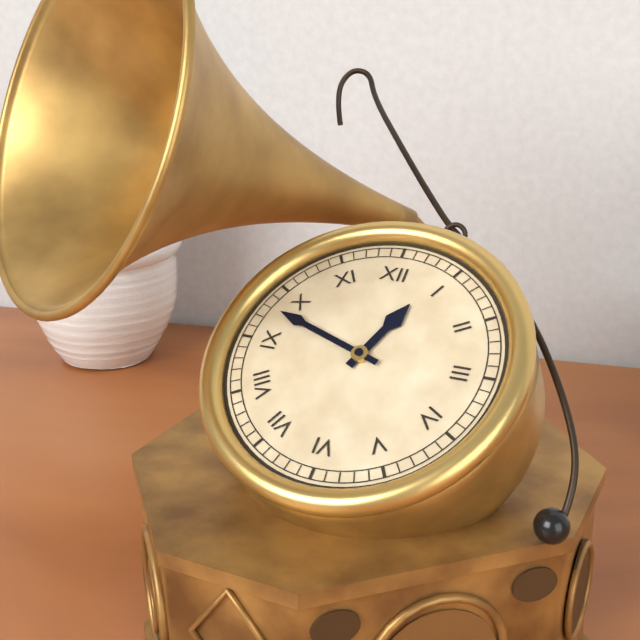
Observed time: 12:48
